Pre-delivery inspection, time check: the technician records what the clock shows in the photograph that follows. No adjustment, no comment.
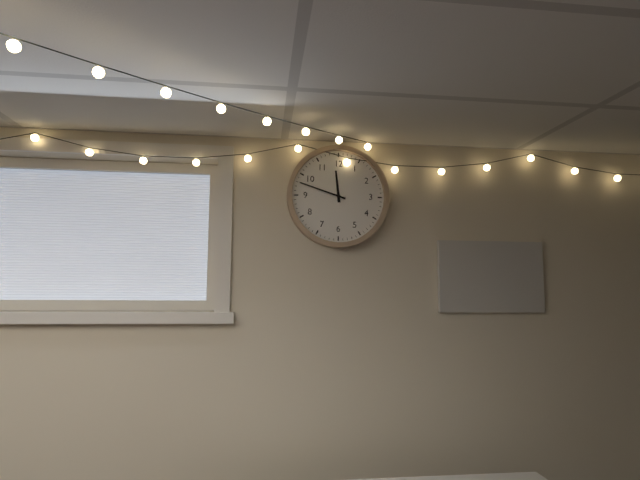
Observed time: 11:48
